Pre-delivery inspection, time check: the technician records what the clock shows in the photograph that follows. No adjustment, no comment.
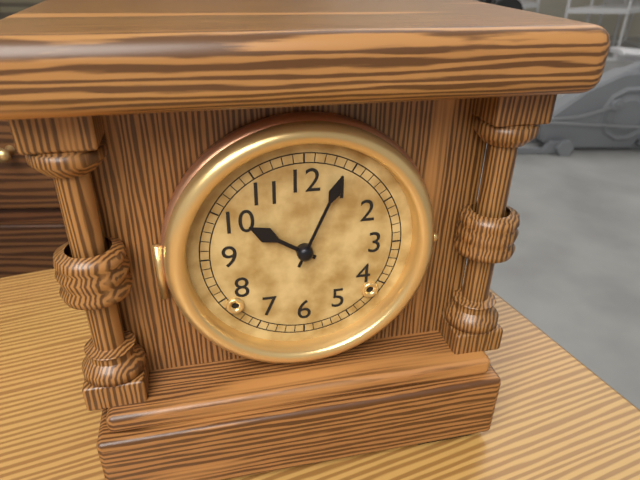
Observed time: 10:04
